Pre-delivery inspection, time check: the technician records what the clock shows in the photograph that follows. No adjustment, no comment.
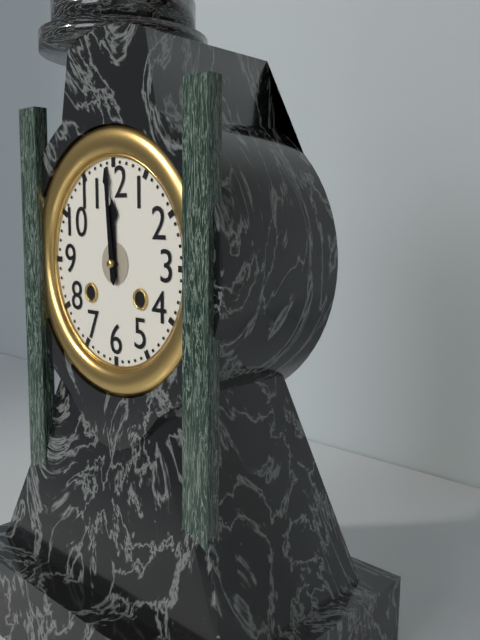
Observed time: 11:59
